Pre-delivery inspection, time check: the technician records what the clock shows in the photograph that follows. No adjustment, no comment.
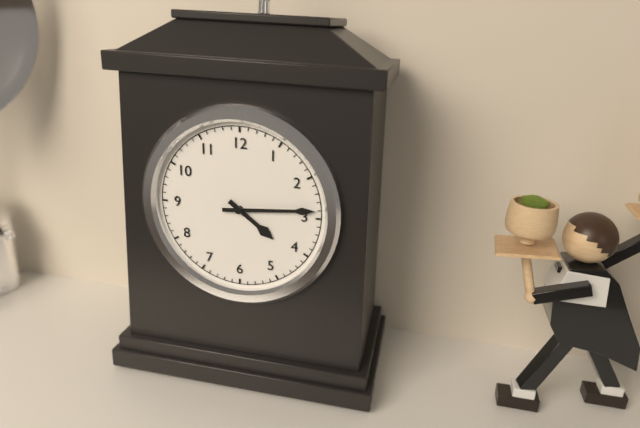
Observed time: 4:14
